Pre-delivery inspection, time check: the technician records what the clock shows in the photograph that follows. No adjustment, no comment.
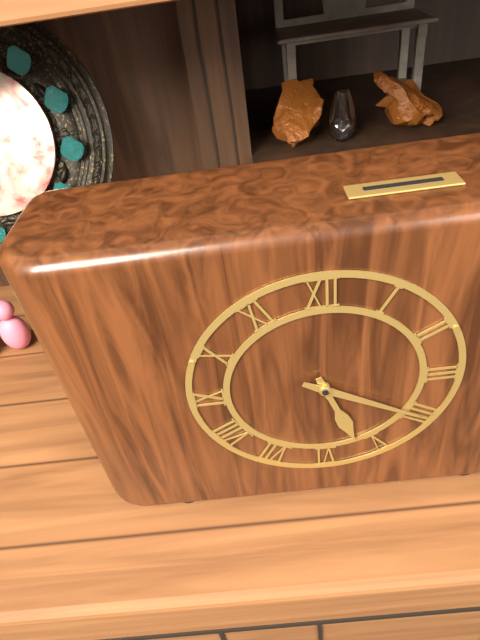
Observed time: 5:20
